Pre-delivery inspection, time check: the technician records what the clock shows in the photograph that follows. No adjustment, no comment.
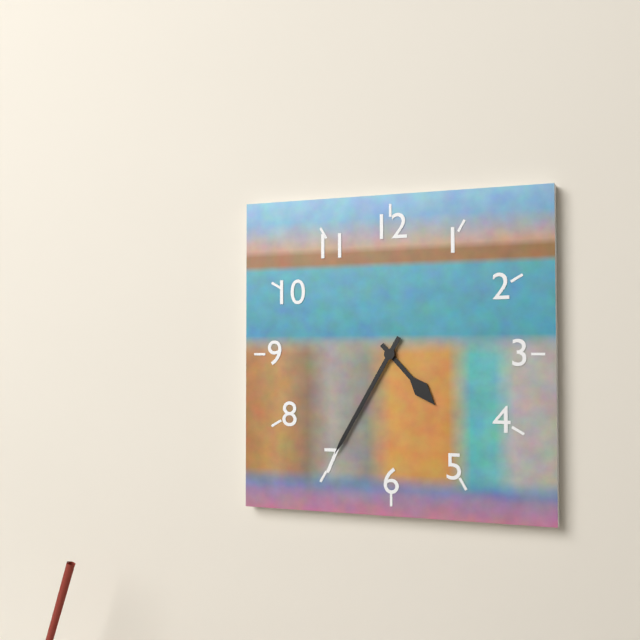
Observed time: 4:35
